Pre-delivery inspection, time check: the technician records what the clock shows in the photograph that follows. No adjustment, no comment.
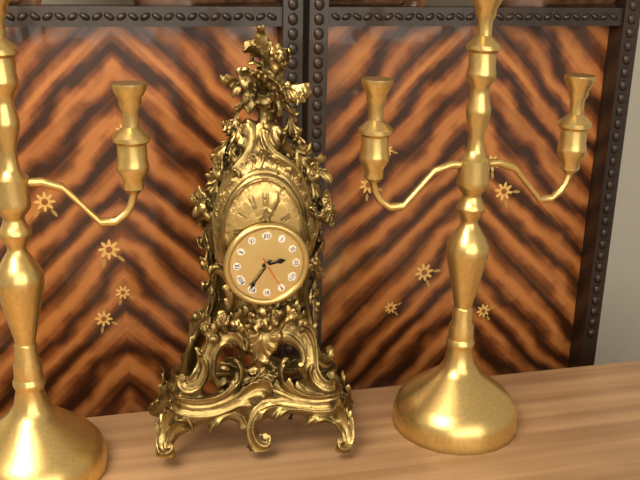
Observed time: 2:36
